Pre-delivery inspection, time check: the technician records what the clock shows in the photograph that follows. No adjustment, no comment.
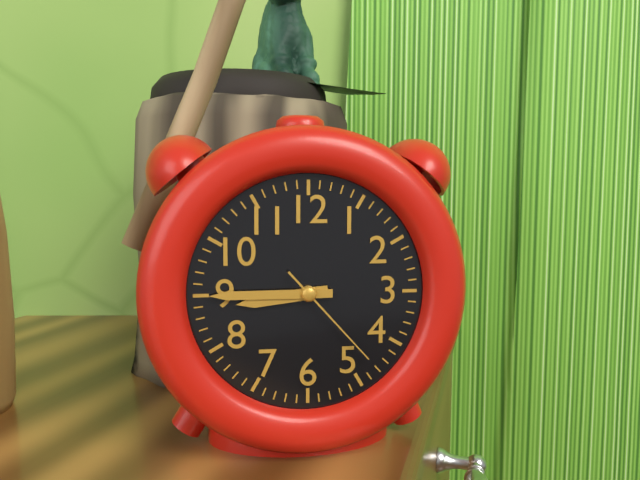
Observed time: 8:45:23
